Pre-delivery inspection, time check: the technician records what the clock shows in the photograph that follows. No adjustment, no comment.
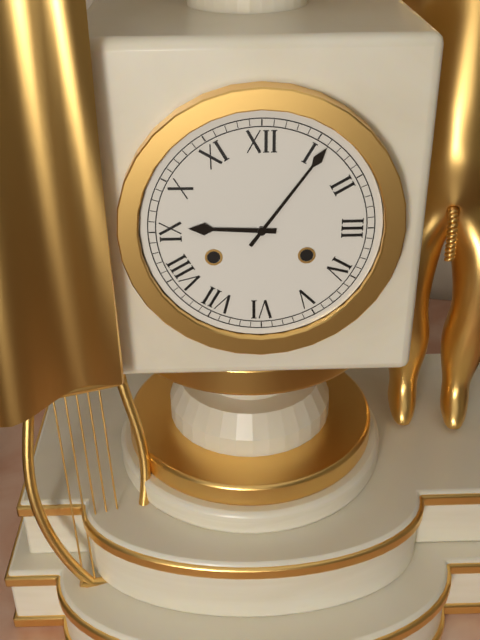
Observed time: 9:06
